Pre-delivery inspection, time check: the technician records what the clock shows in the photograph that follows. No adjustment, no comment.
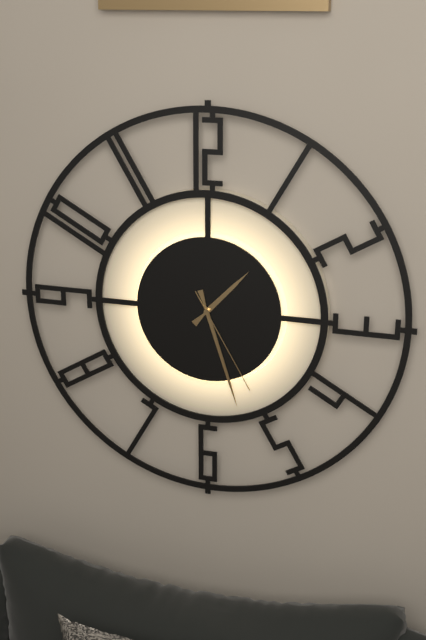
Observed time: 1:27:25
